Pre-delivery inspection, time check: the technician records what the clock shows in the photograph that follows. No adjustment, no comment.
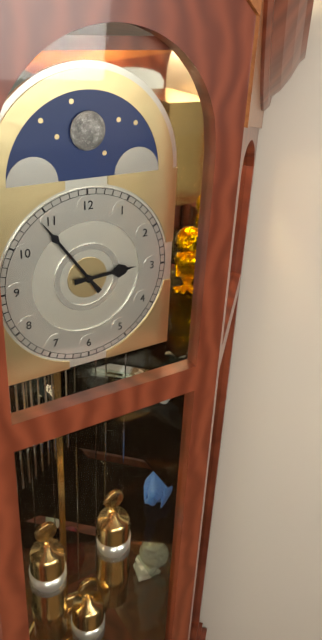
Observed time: 2:54
